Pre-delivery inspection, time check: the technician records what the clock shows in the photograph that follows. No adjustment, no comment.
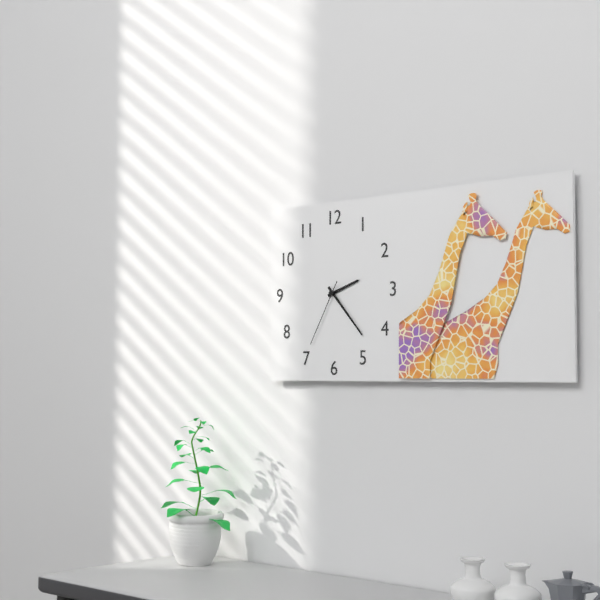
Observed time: 2:23:35
